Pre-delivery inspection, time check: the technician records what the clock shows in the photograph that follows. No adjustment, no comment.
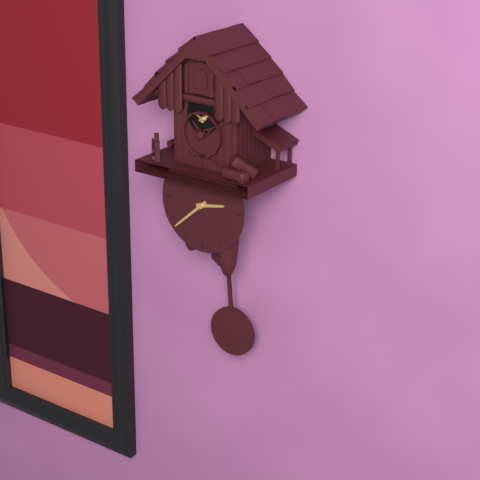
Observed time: 2:38
